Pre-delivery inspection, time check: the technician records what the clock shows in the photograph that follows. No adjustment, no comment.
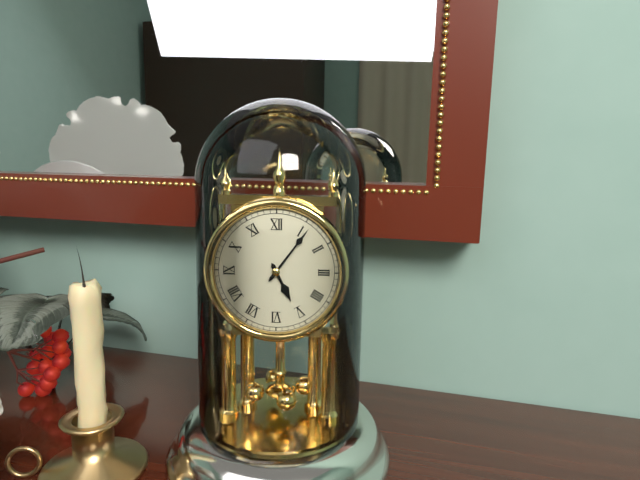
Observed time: 5:06
